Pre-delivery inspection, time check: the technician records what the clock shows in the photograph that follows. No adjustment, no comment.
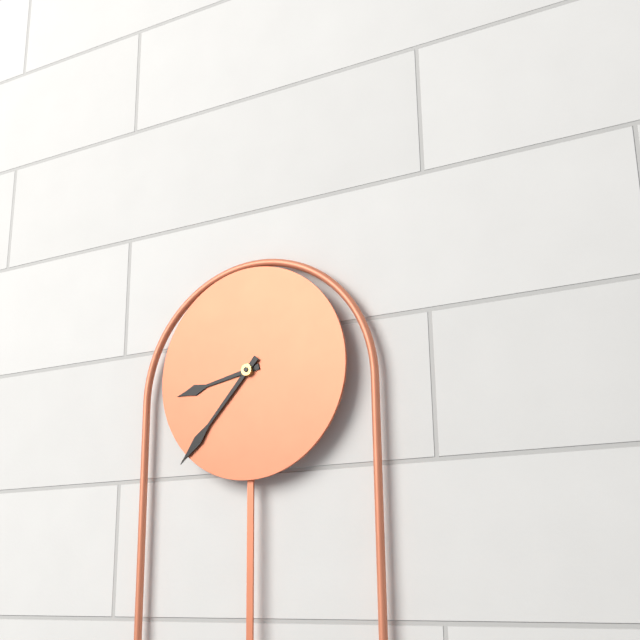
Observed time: 8:37
